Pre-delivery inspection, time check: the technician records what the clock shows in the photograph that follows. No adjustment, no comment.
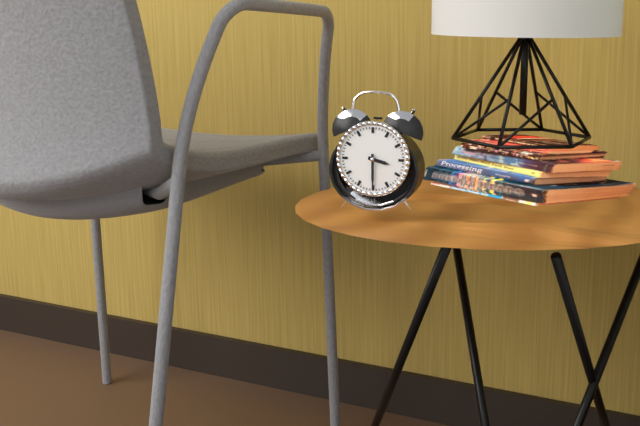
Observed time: 3:30
